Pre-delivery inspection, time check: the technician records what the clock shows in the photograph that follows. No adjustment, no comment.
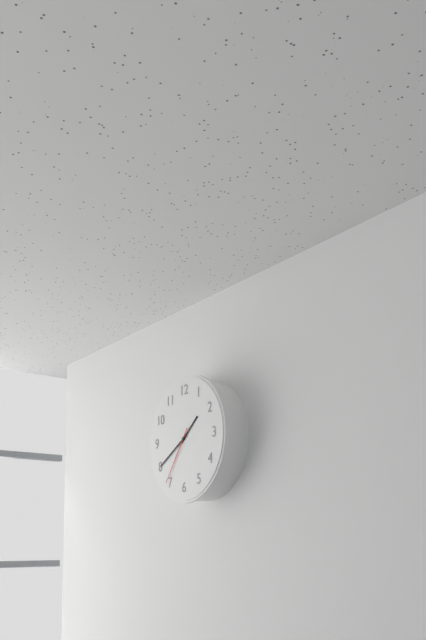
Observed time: 1:40:36
